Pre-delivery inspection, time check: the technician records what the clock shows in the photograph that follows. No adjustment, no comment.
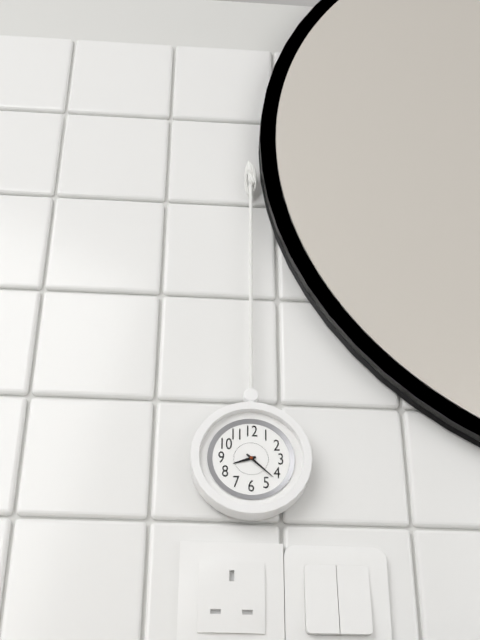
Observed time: 8:22
